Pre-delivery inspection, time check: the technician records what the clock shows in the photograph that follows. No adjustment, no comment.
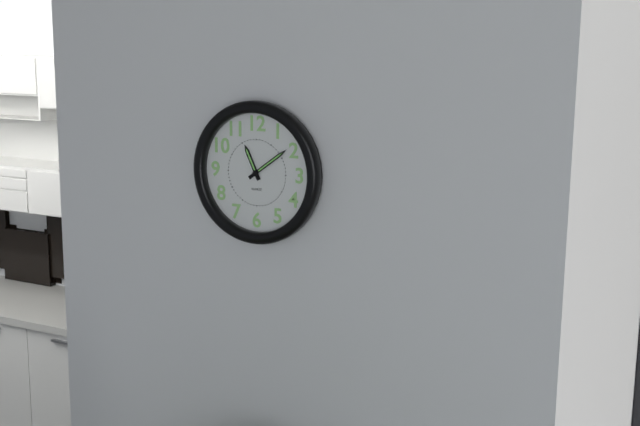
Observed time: 11:09
